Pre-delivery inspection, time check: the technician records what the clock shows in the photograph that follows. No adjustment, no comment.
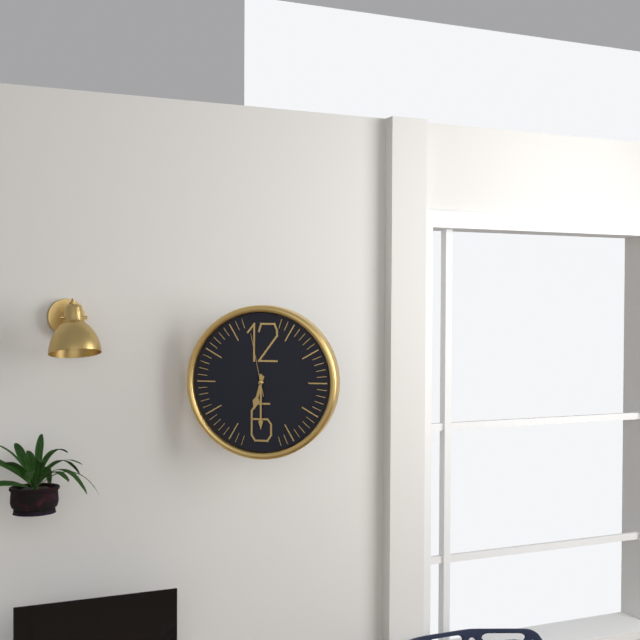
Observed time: 6:30:58
